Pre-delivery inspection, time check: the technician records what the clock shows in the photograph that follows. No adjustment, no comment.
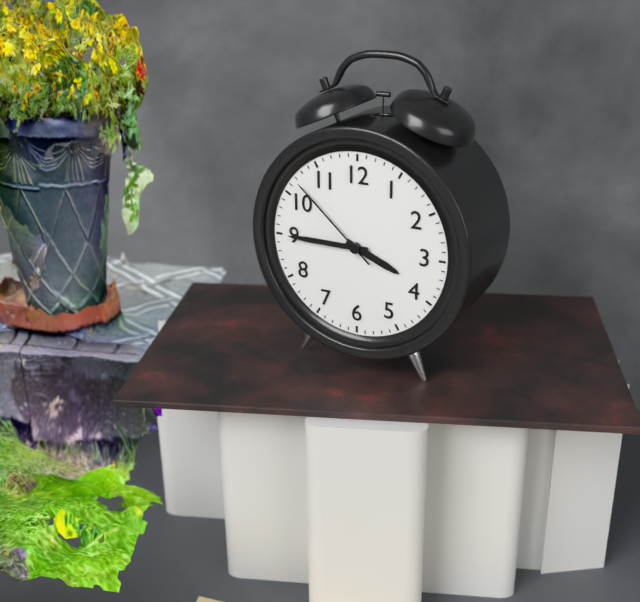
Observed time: 3:45:52
